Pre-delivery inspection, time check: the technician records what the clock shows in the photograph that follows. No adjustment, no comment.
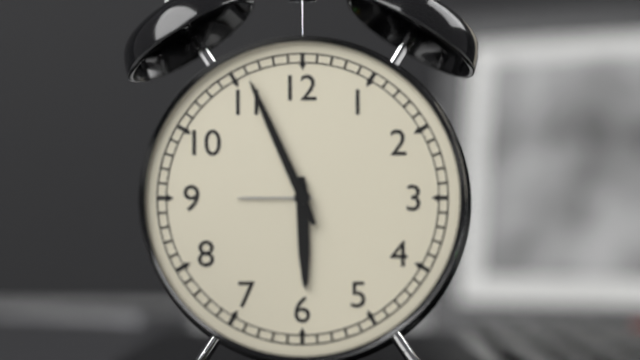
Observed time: 5:56
